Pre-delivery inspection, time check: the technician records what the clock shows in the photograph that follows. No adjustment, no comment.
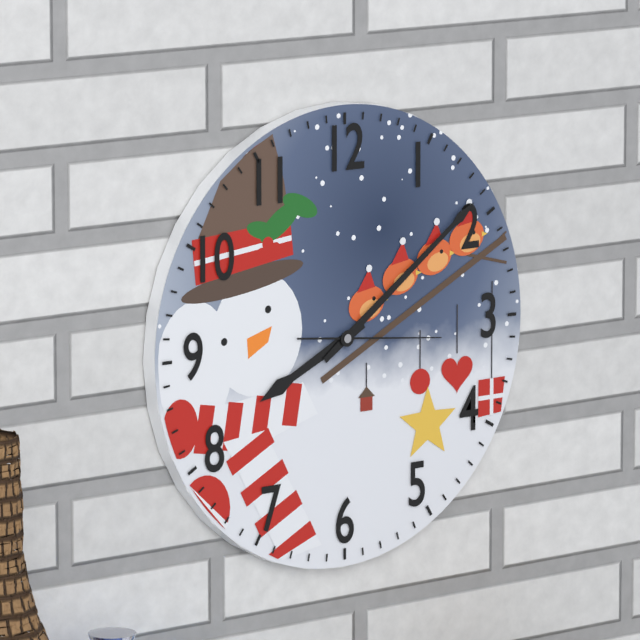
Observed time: 8:09:16
